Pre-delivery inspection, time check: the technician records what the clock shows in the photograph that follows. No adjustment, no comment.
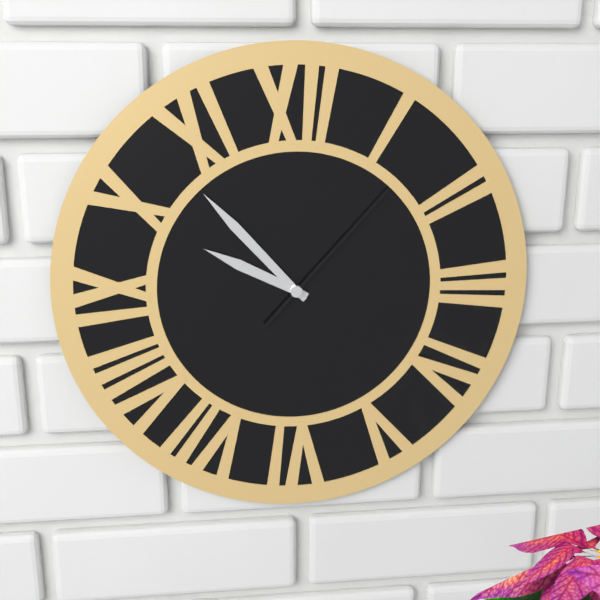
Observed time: 9:53:07
